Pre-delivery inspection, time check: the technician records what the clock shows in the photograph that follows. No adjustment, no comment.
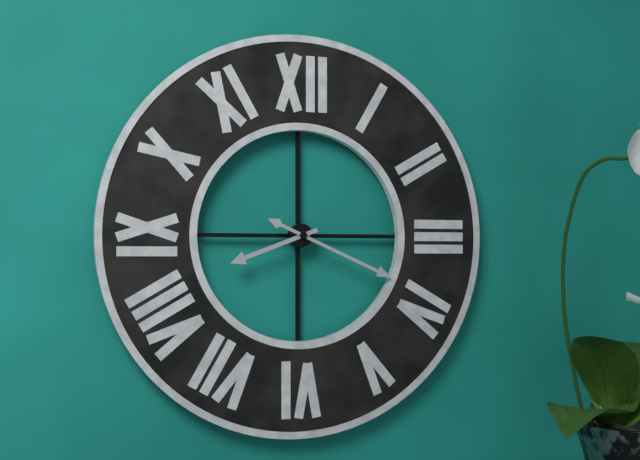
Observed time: 8:19
